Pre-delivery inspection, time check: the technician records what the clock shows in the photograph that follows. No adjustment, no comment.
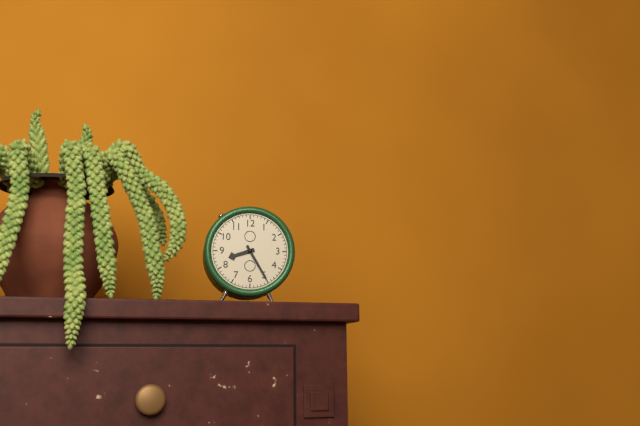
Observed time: 8:25
